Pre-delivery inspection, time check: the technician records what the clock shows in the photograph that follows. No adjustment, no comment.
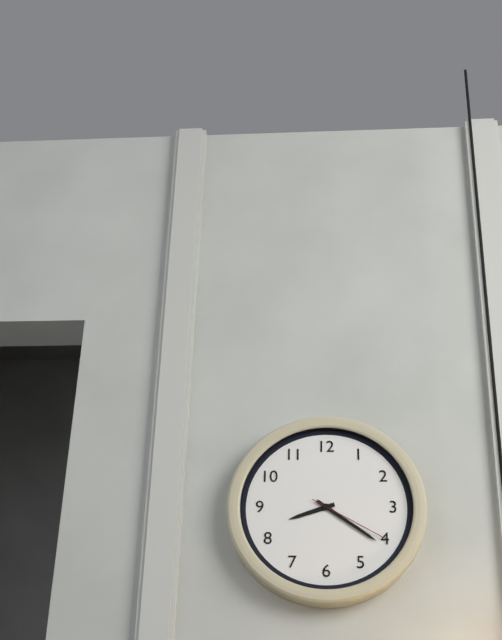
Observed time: 8:21:20
